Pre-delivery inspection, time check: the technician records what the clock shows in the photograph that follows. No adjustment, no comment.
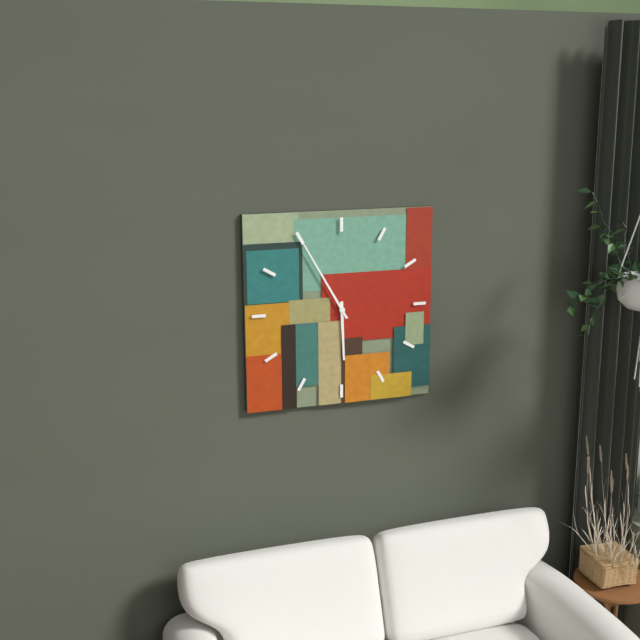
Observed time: 5:55
